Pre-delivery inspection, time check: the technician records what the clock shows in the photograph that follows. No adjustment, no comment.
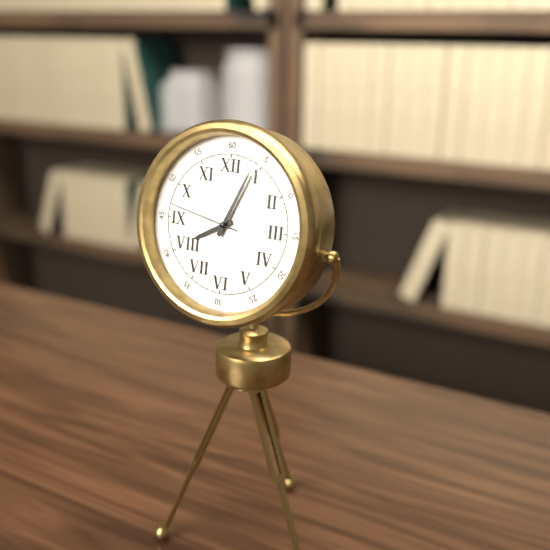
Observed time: 8:04:47
